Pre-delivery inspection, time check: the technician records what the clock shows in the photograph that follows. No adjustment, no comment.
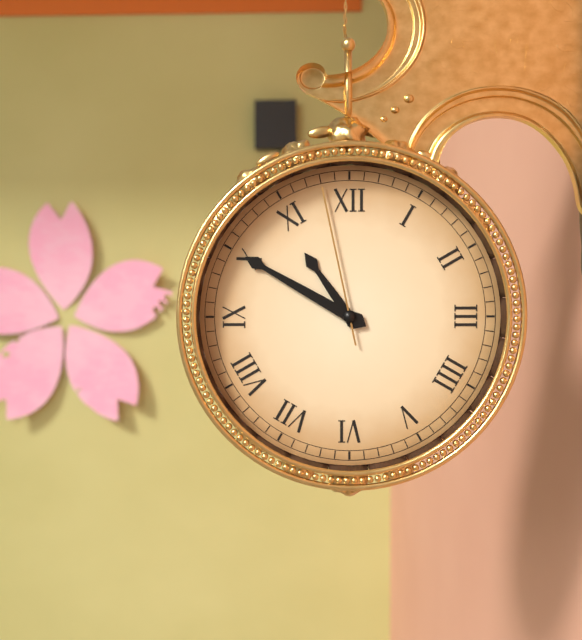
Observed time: 10:50:58
